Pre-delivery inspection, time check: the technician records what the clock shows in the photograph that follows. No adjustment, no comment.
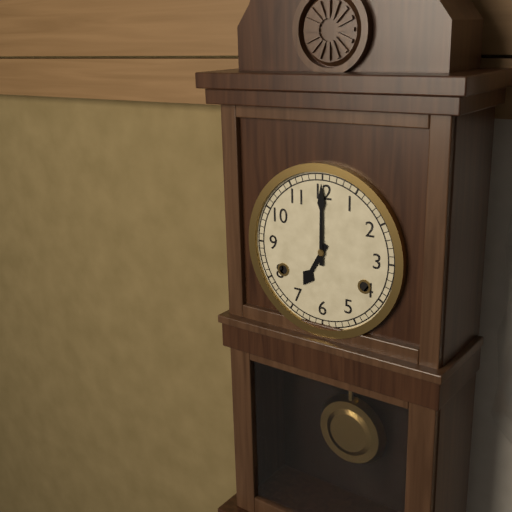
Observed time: 7:00
